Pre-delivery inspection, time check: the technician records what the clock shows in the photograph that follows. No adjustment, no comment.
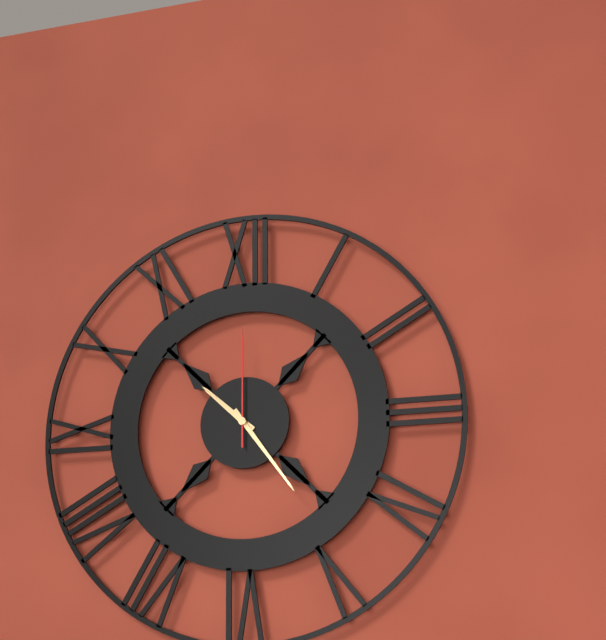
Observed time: 10:24:00
